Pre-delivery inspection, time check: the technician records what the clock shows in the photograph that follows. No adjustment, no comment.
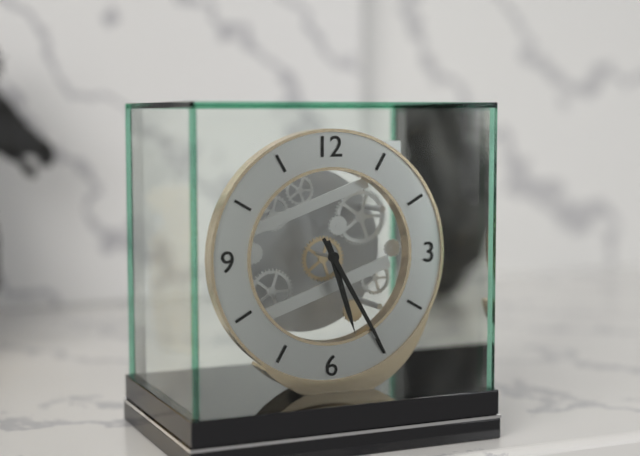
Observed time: 5:25
